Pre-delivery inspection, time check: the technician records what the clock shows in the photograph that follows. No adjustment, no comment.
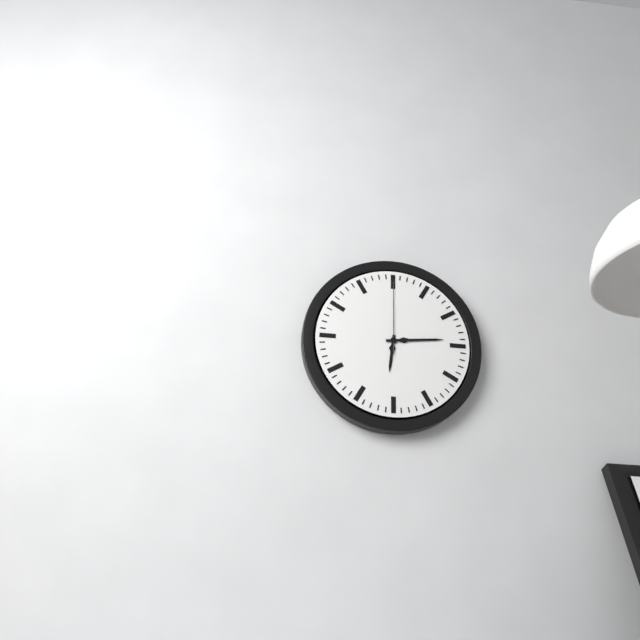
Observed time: 6:14:00
